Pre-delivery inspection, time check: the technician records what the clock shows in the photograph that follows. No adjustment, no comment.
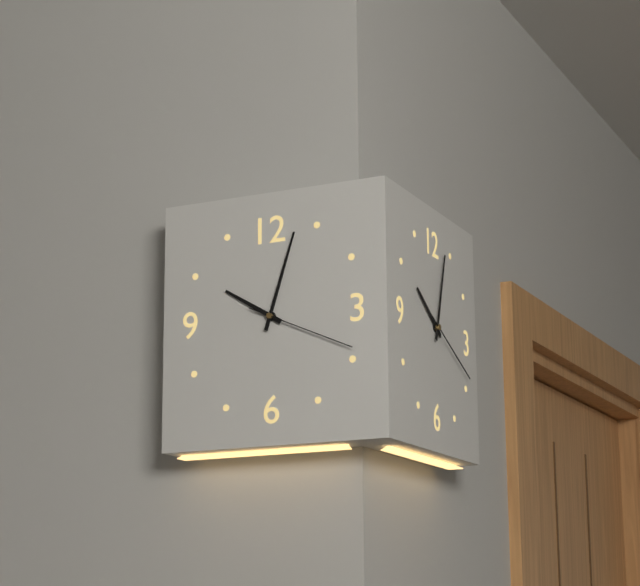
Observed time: 10:03:19
